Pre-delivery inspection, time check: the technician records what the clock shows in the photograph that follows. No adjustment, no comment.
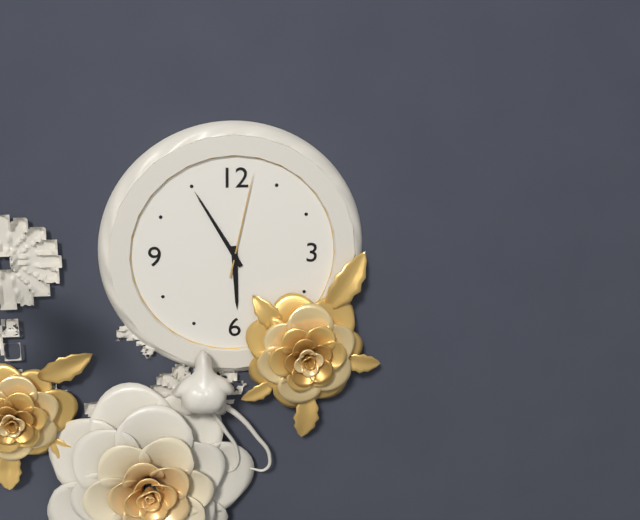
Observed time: 5:55:02
